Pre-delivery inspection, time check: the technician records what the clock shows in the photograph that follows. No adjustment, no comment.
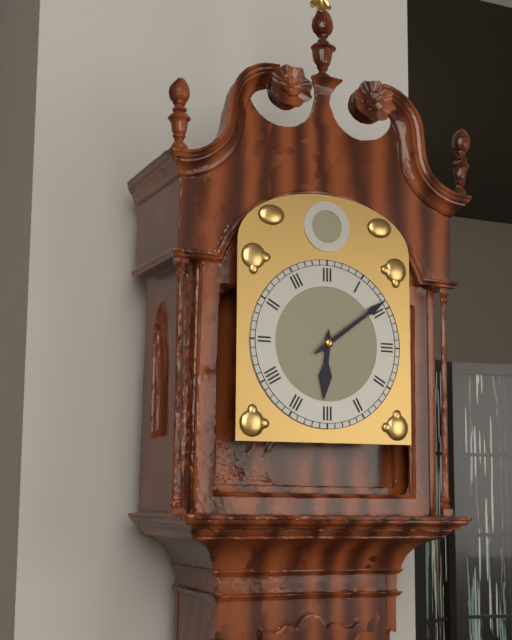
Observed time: 6:09
